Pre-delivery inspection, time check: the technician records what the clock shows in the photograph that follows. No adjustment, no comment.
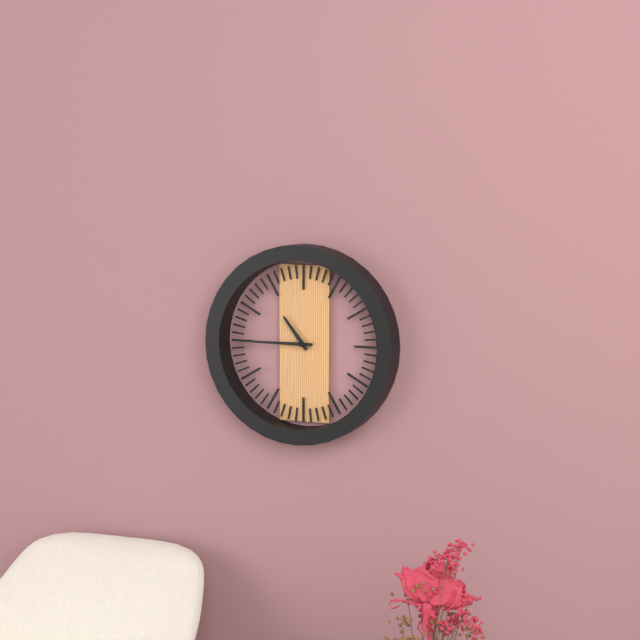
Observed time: 10:45
